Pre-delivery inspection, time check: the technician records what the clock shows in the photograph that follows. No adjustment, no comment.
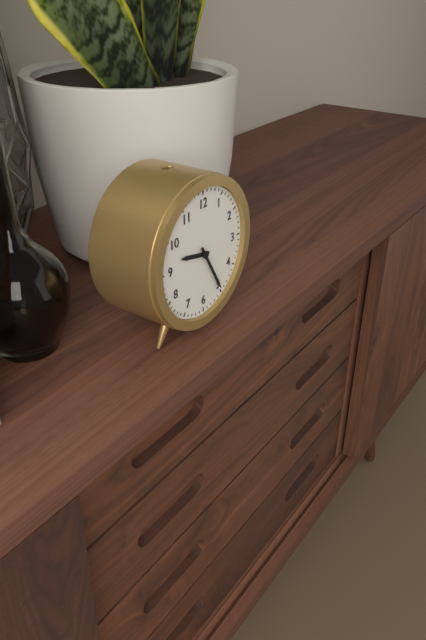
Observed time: 9:25
